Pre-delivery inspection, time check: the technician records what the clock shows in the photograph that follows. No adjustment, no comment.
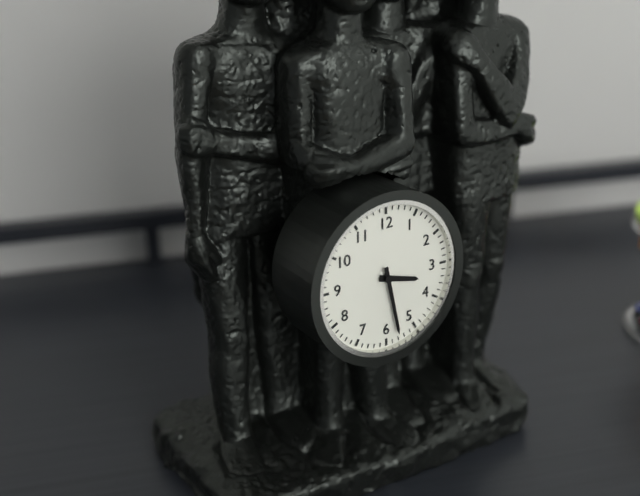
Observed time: 3:28
